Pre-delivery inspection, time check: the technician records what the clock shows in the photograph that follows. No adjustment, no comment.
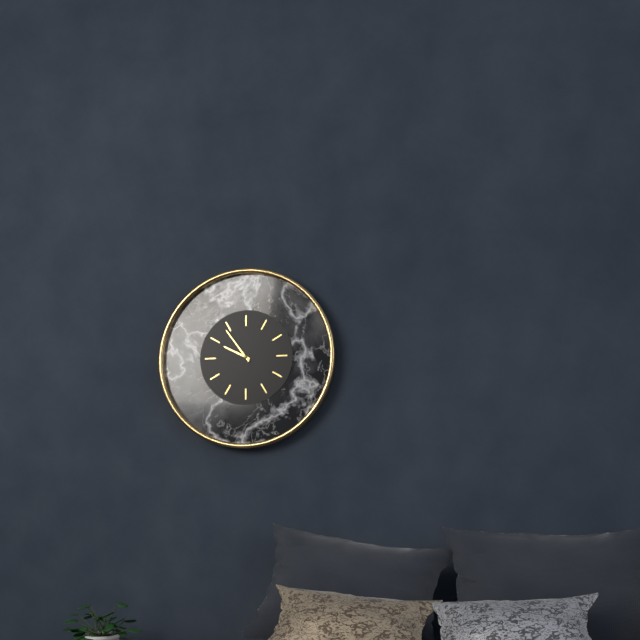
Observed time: 9:54
